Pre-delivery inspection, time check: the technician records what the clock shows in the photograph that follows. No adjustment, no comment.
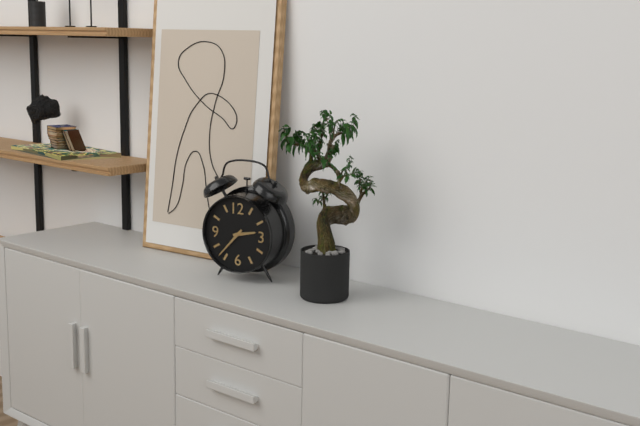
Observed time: 2:37
